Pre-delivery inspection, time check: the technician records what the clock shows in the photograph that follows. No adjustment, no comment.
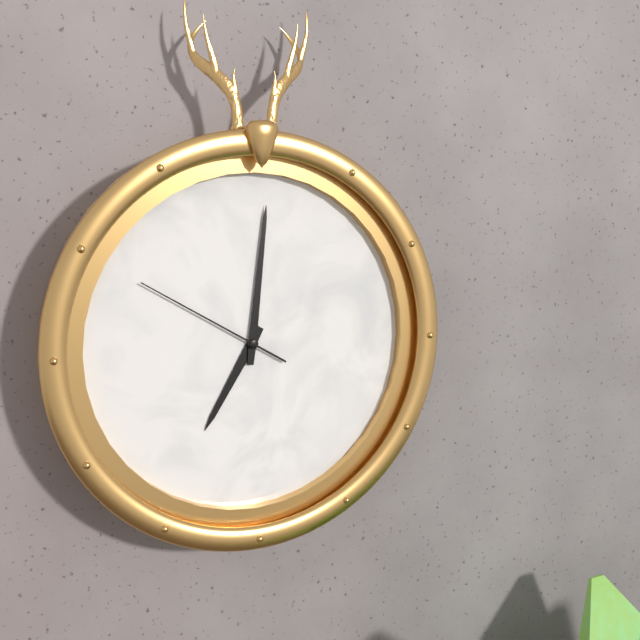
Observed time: 7:01:50
